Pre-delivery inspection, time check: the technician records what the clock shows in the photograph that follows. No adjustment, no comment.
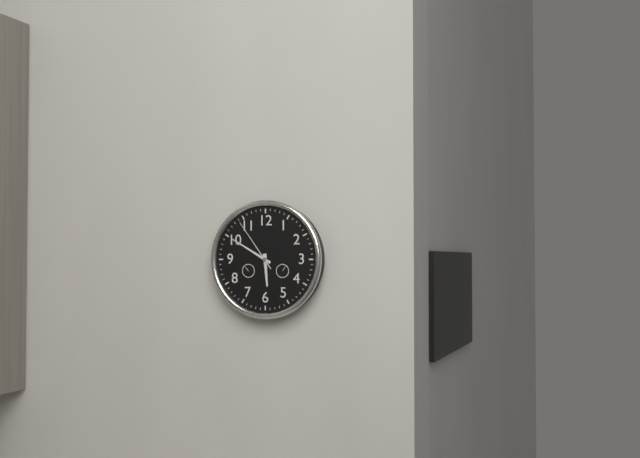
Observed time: 5:50:54
